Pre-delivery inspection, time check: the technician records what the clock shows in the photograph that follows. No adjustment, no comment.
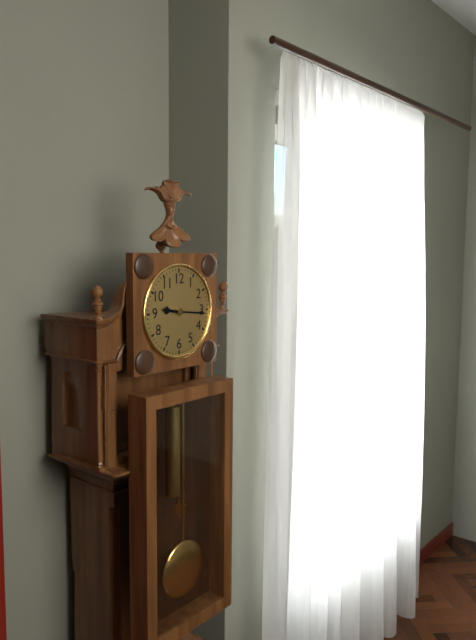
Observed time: 9:16
